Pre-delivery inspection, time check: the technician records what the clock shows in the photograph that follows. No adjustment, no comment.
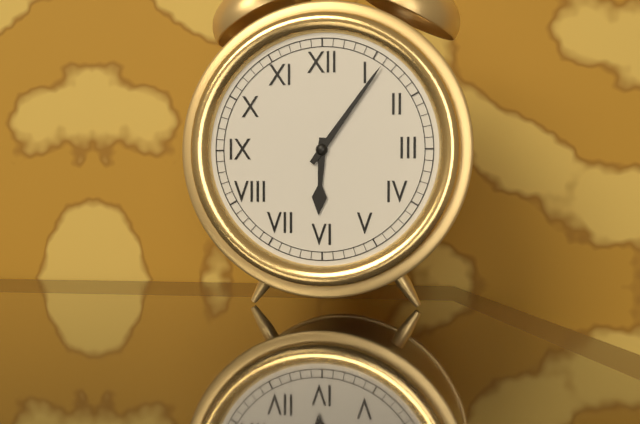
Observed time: 6:06
